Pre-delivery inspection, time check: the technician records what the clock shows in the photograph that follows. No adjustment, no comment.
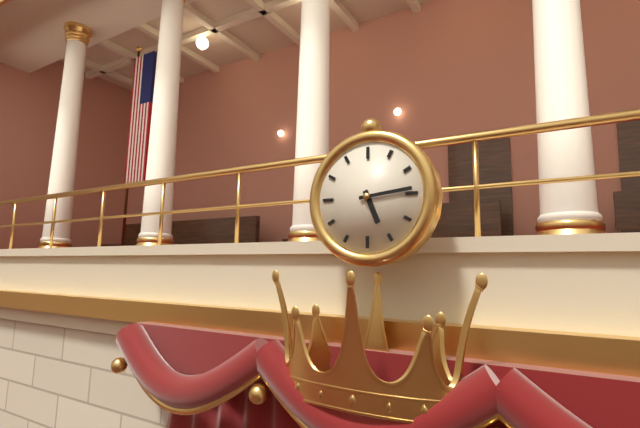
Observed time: 5:14
